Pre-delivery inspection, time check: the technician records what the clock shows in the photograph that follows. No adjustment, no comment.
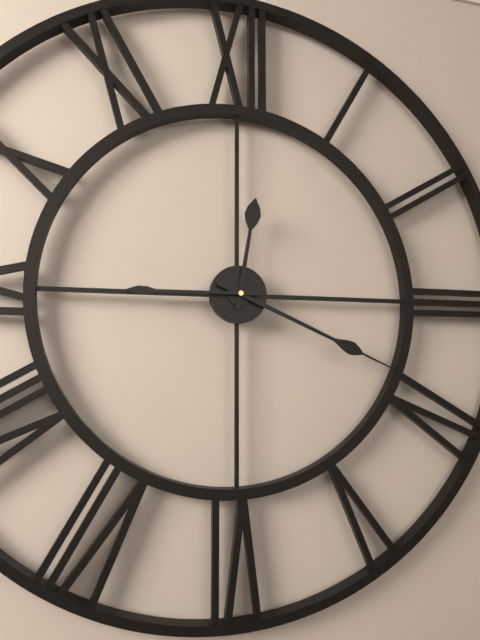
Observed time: 12:19:45
